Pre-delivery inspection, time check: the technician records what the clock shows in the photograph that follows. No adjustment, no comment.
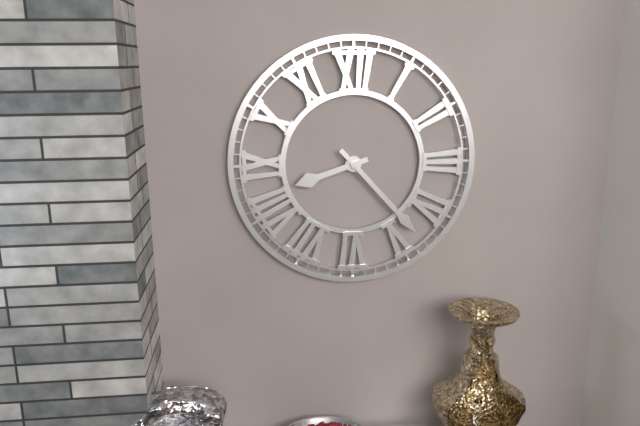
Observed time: 8:23
